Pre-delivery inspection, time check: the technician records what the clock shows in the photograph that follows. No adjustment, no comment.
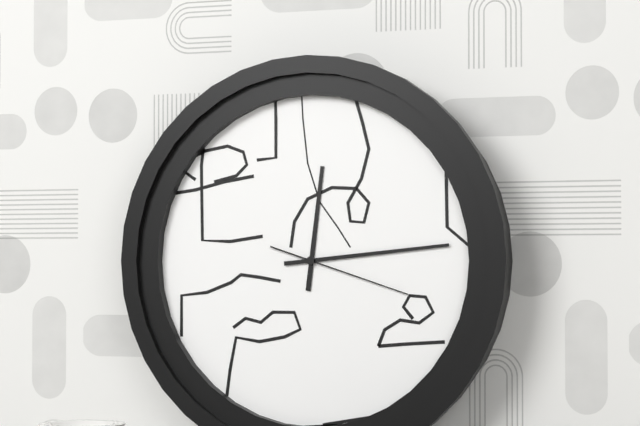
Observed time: 12:14:18
